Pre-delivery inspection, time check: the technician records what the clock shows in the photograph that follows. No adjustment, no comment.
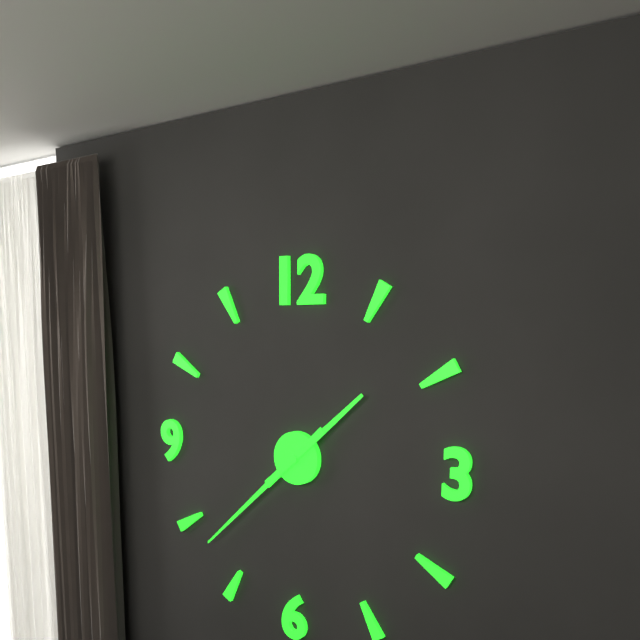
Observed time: 1:38
